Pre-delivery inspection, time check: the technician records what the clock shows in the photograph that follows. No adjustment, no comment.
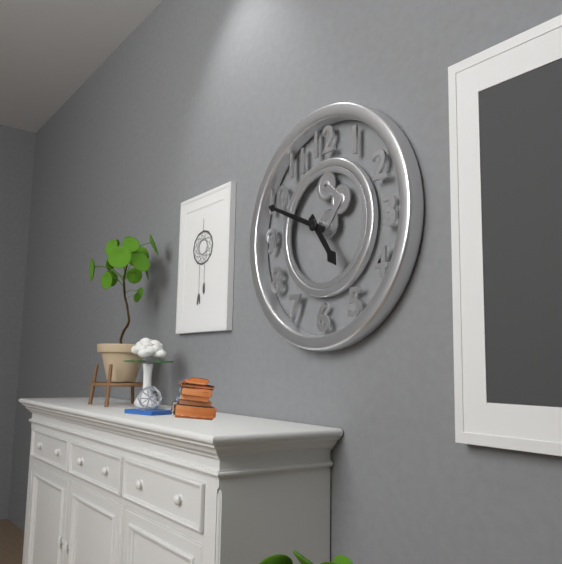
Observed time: 4:49
